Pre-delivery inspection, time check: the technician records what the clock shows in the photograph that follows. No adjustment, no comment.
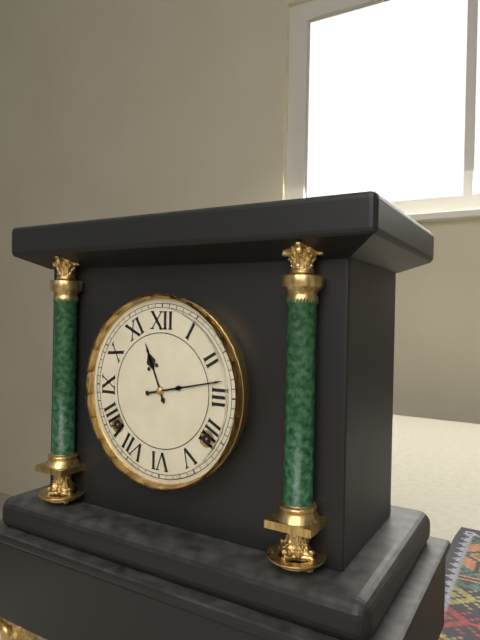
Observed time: 11:13
